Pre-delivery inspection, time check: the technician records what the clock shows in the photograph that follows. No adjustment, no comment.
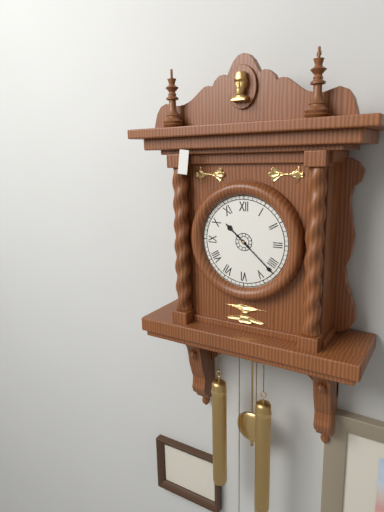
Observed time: 10:22
